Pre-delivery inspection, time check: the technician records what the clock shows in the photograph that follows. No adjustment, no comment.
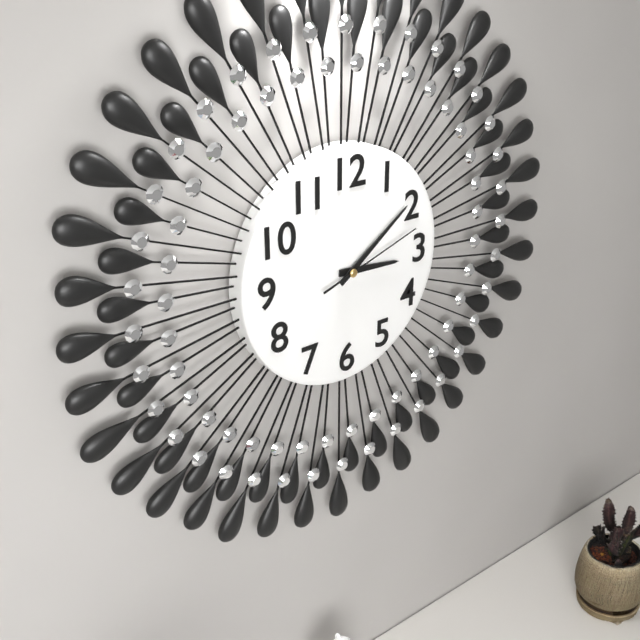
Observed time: 3:09:12
